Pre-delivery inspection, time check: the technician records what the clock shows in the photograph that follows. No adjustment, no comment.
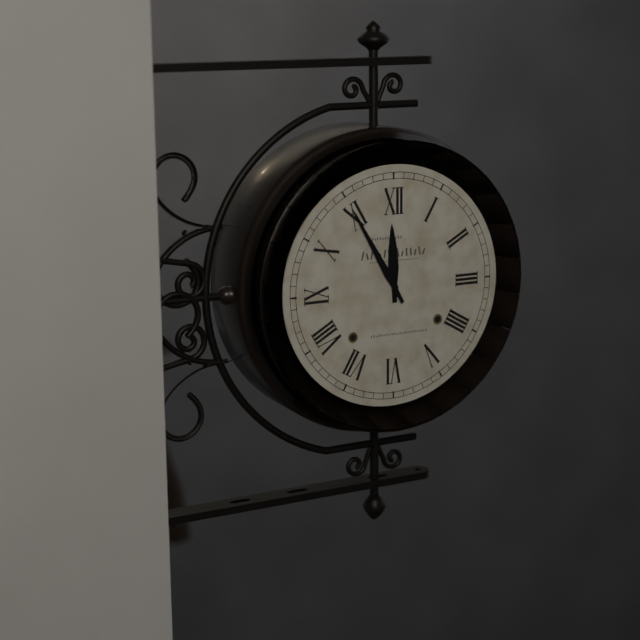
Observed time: 11:55
